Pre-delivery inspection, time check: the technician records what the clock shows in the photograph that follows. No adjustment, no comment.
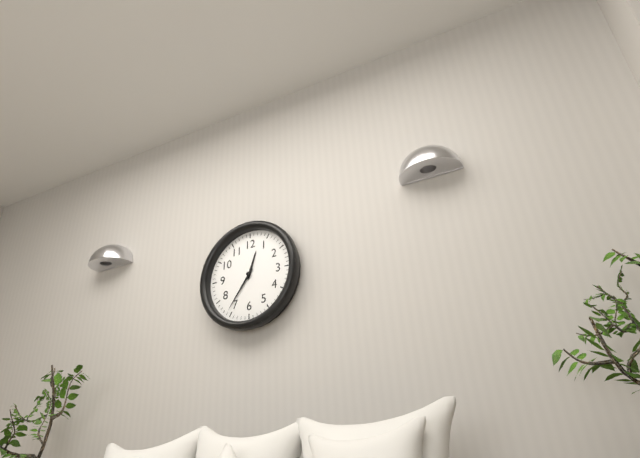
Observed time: 12:36
